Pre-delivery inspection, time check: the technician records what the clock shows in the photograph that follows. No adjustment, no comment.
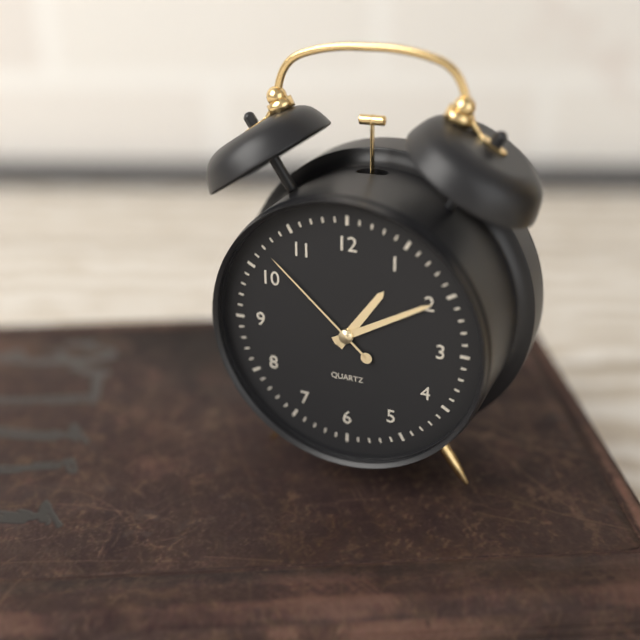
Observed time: 1:10:52
